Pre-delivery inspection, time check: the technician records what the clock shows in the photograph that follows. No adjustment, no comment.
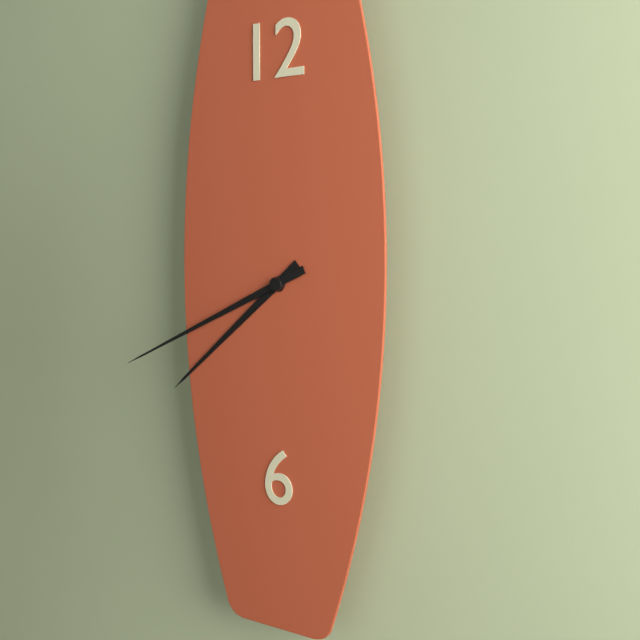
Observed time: 7:41
